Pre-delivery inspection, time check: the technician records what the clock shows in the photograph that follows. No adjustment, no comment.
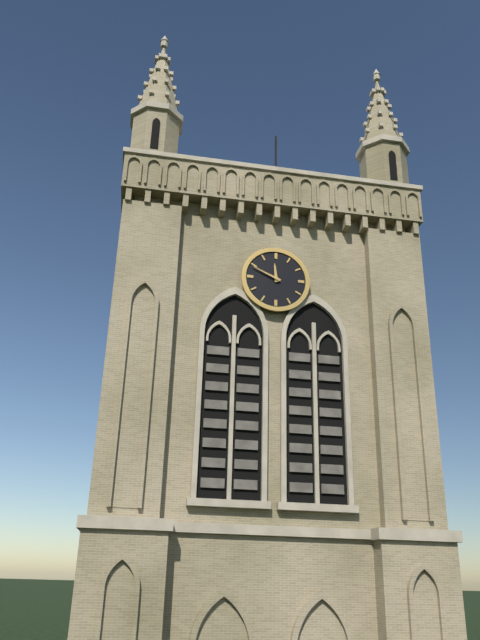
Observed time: 11:49
